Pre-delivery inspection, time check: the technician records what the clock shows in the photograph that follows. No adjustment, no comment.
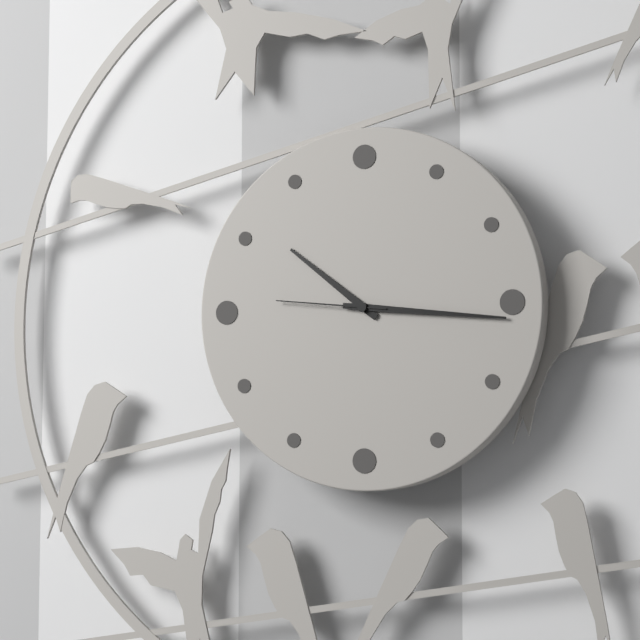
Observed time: 10:16:46
